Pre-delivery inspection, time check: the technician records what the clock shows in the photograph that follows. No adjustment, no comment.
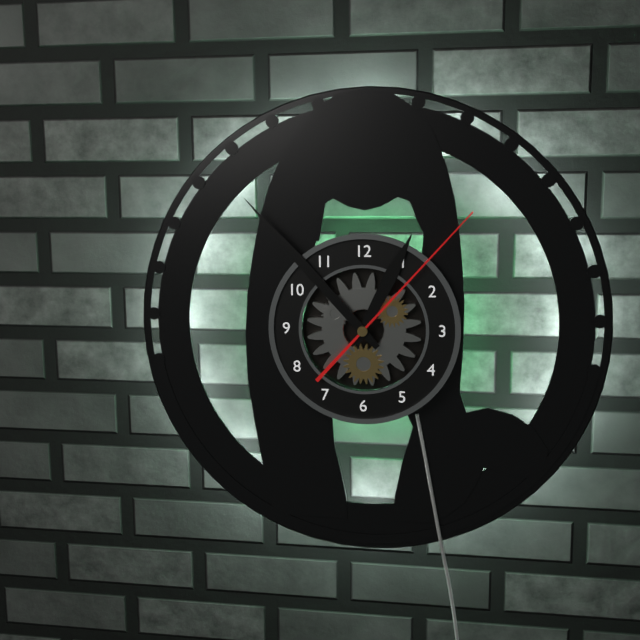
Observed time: 12:53:07
